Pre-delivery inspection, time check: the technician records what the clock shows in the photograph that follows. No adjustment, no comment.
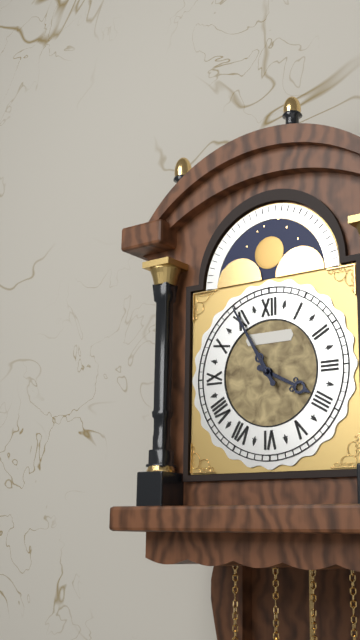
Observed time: 3:55
